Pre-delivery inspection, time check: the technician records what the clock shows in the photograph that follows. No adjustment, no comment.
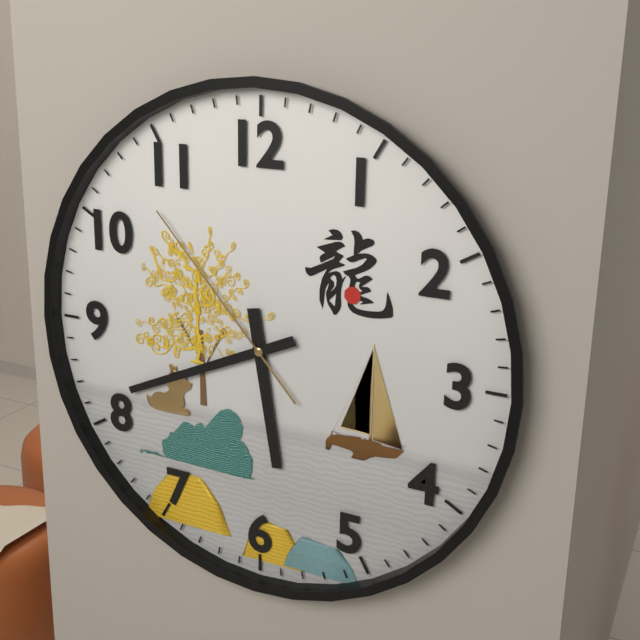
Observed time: 5:41:53
